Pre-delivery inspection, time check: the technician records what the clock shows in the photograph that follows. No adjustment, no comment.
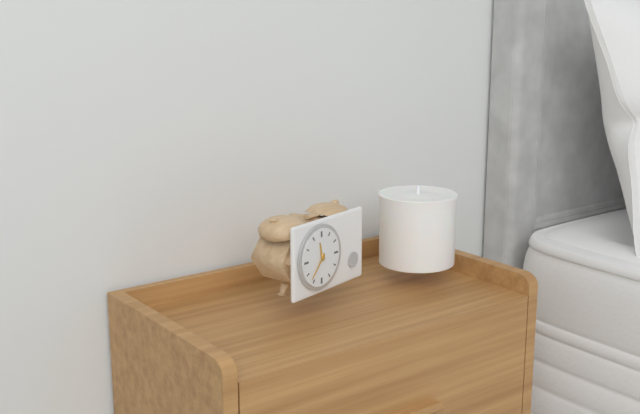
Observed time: 11:37
